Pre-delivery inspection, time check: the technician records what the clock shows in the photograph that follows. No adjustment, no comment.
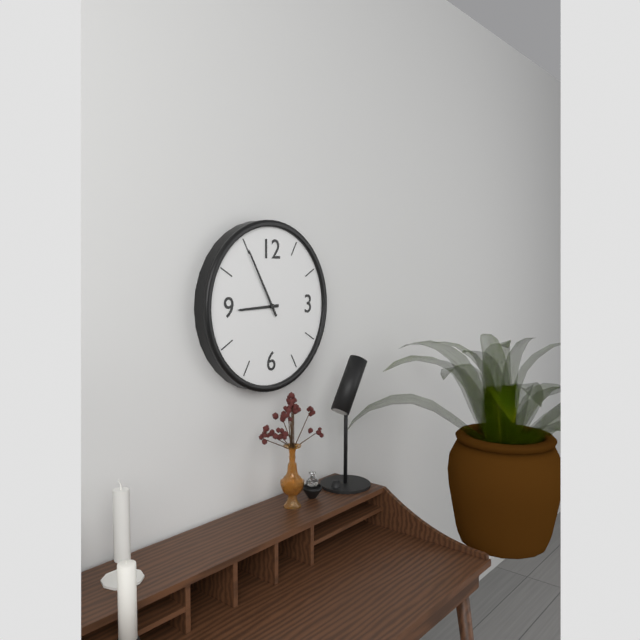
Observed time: 8:55
